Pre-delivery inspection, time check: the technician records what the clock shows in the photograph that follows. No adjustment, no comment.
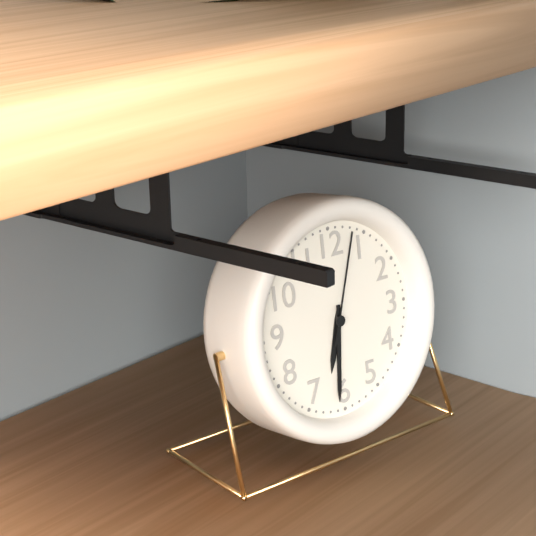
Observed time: 6:31:03
